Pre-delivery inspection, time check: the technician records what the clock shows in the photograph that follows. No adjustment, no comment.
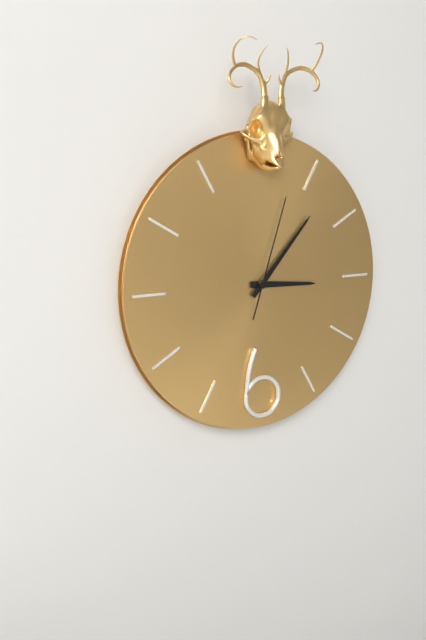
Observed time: 3:07:03
